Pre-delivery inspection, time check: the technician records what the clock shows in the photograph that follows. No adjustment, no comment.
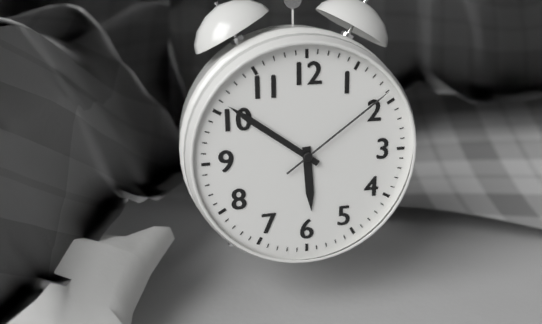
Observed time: 5:51:09
